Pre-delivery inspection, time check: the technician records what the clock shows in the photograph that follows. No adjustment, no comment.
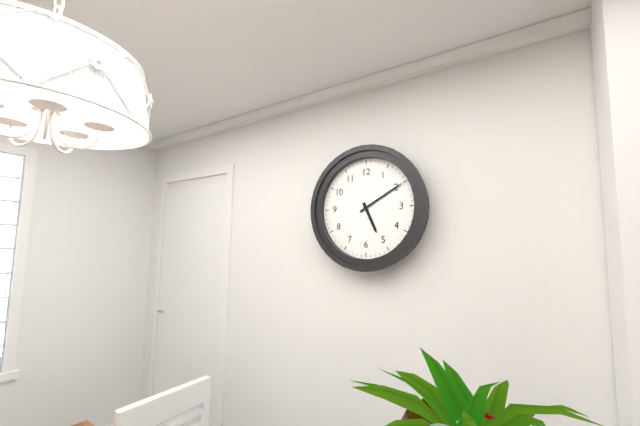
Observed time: 5:10
